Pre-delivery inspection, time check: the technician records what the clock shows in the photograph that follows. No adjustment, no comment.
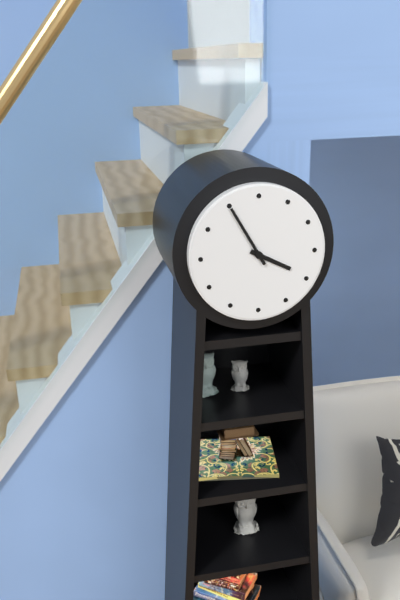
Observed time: 3:55
